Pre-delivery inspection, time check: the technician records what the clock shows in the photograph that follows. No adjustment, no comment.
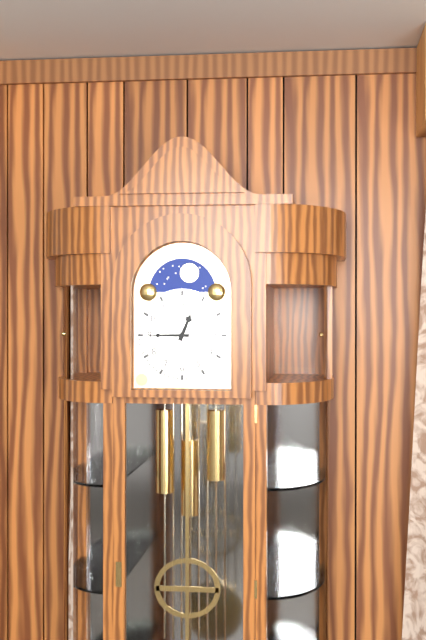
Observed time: 12:45
